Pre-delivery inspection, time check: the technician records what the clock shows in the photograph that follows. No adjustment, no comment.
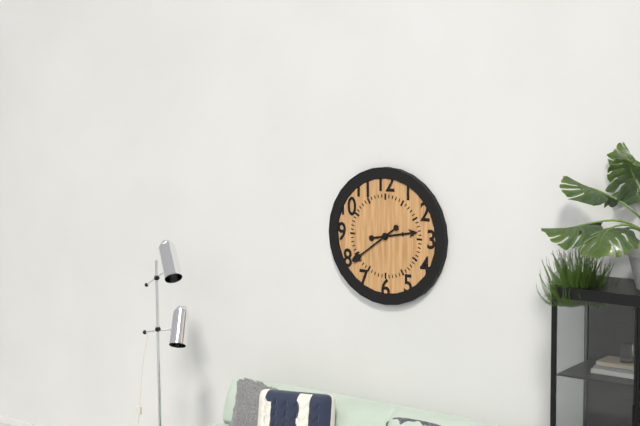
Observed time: 2:39
